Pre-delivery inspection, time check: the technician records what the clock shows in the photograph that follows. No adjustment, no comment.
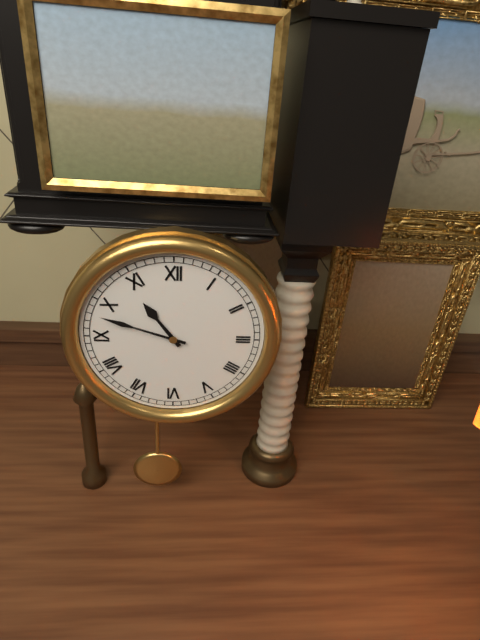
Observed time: 10:48
